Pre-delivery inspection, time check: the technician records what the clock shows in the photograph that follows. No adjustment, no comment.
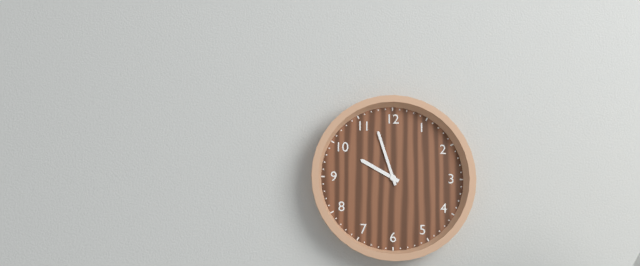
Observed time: 9:57
